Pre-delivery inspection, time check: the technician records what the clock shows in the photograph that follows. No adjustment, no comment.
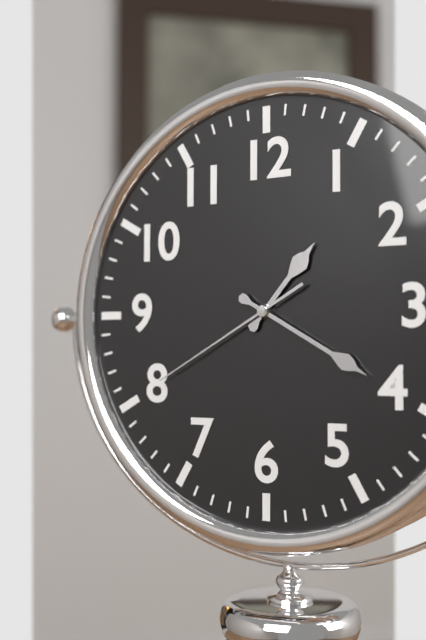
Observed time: 1:20:40
